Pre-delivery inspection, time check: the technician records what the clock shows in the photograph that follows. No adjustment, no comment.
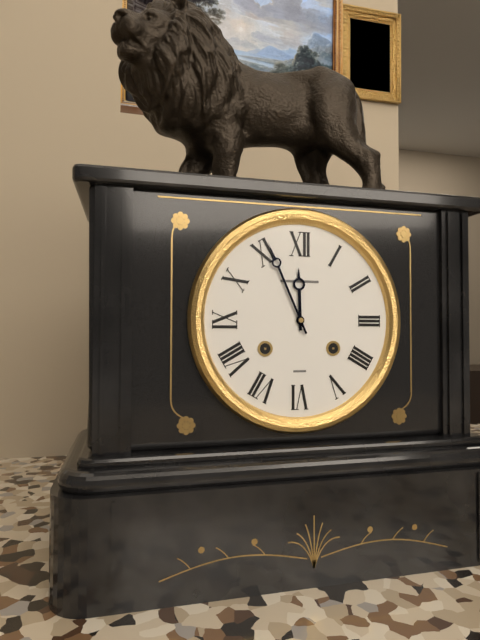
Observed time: 11:56
